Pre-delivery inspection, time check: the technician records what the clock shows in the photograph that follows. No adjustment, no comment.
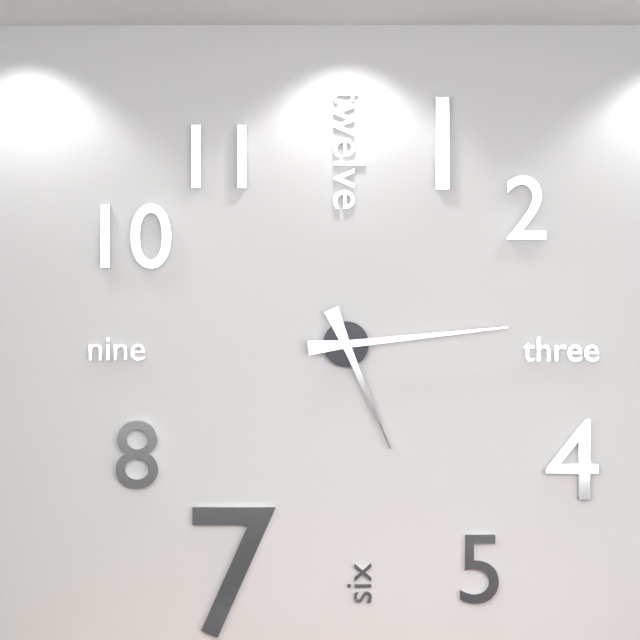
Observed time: 5:14
